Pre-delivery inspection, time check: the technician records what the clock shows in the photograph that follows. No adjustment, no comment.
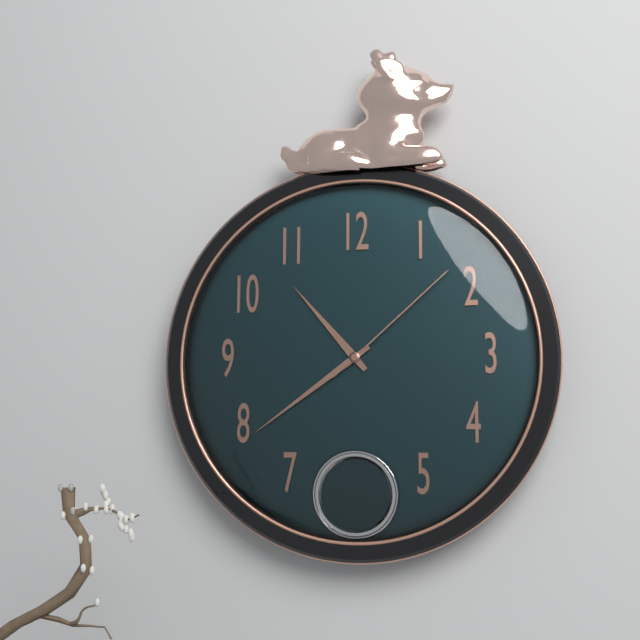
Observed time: 10:39:08
